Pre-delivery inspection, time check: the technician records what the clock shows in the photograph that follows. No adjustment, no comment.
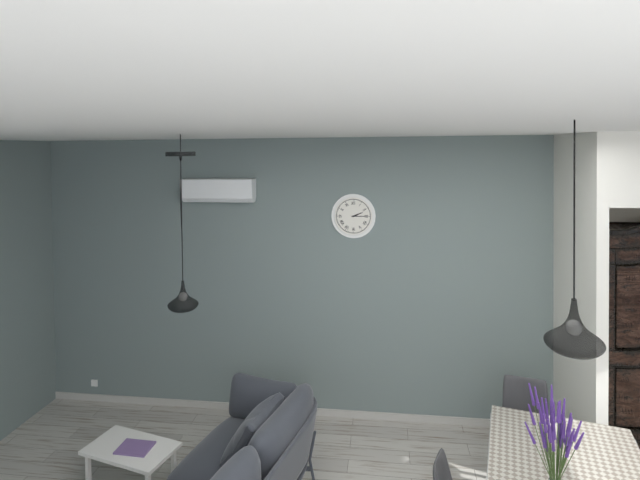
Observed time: 2:15
